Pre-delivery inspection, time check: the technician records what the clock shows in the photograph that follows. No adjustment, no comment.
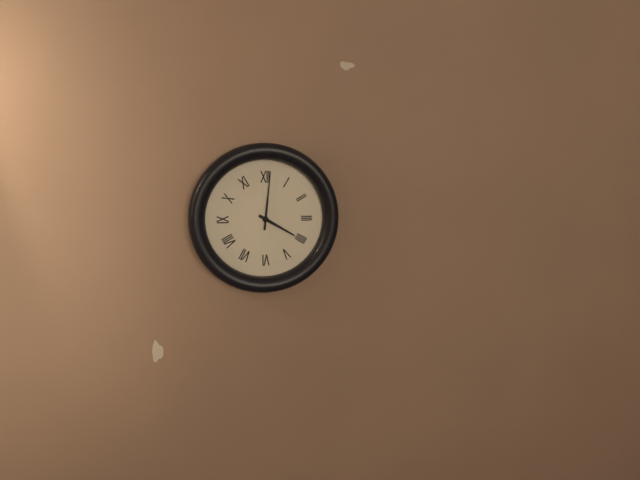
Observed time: 4:01
